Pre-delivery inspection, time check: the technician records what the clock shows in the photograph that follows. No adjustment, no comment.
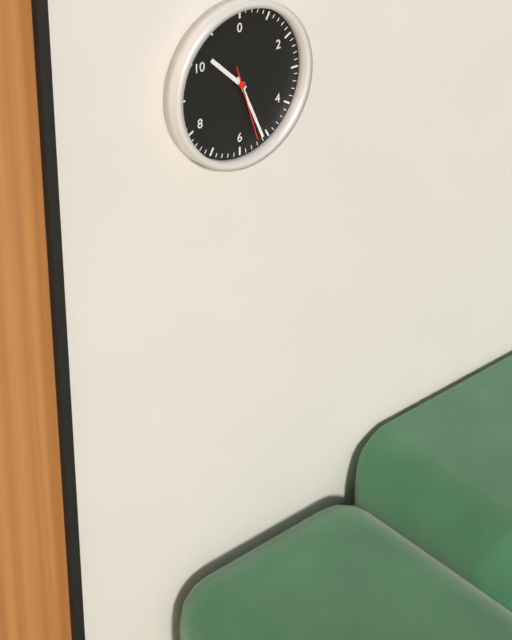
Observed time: 10:26:27
